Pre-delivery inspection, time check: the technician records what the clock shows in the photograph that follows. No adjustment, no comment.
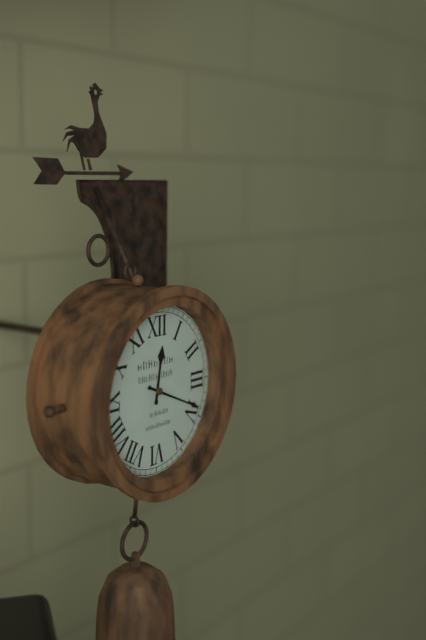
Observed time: 12:19
